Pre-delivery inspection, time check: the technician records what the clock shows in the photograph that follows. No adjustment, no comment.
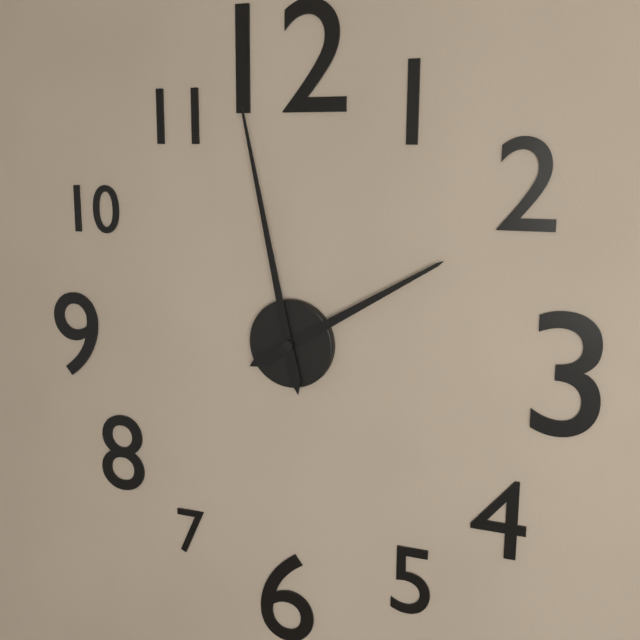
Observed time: 1:58
